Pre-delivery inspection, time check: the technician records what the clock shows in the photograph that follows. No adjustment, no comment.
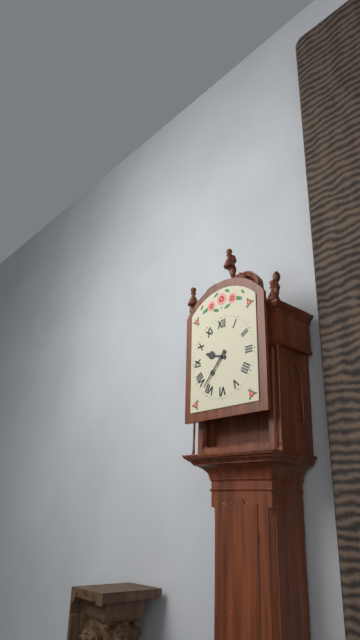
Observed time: 9:37
